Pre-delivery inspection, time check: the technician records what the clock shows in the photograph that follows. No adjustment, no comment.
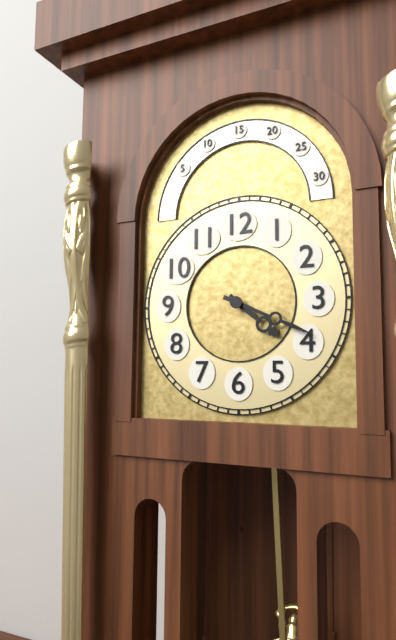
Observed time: 4:19
